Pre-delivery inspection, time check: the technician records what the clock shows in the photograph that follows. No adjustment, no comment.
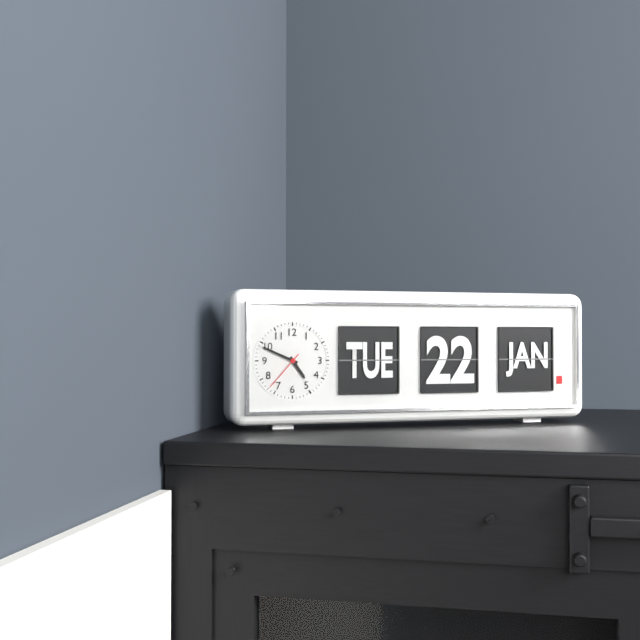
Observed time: 4:49
